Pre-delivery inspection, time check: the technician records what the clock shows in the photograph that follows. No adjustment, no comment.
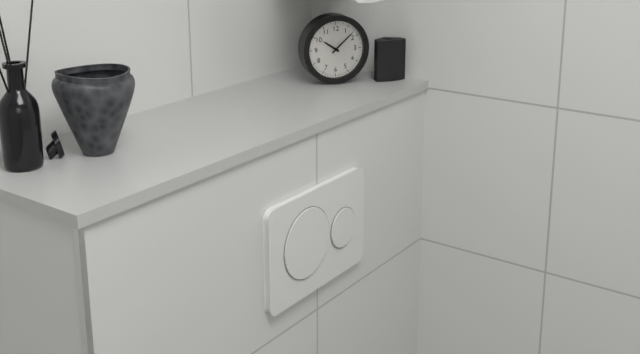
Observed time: 10:08
